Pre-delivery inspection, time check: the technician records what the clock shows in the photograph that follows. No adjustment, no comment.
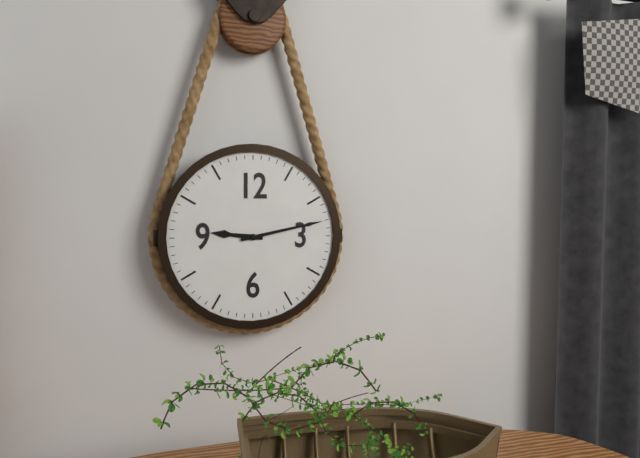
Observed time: 9:13
